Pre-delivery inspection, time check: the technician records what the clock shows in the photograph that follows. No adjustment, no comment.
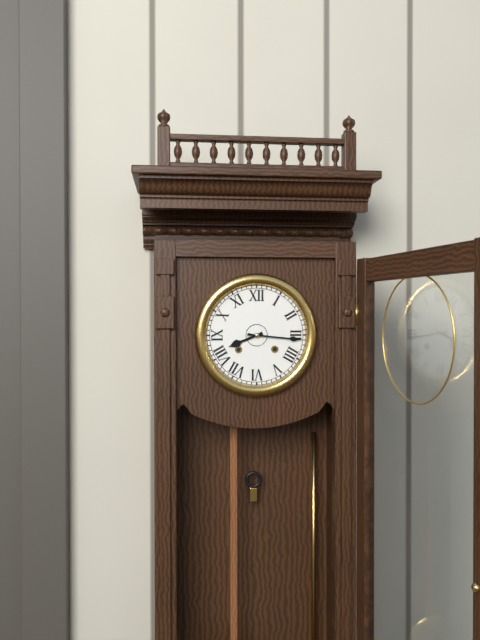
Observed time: 8:16
